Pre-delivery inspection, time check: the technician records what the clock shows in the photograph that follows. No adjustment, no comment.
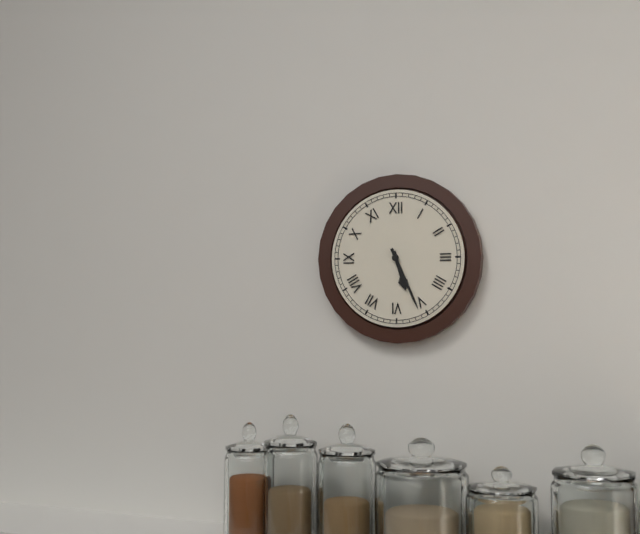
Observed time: 5:26
